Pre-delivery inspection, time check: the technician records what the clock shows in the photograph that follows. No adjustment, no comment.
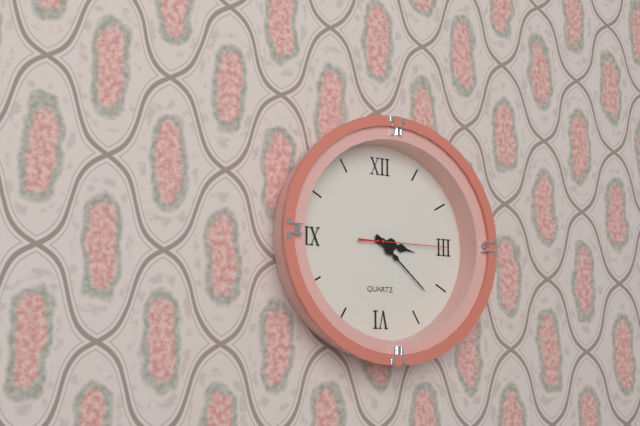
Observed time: 3:22:15
